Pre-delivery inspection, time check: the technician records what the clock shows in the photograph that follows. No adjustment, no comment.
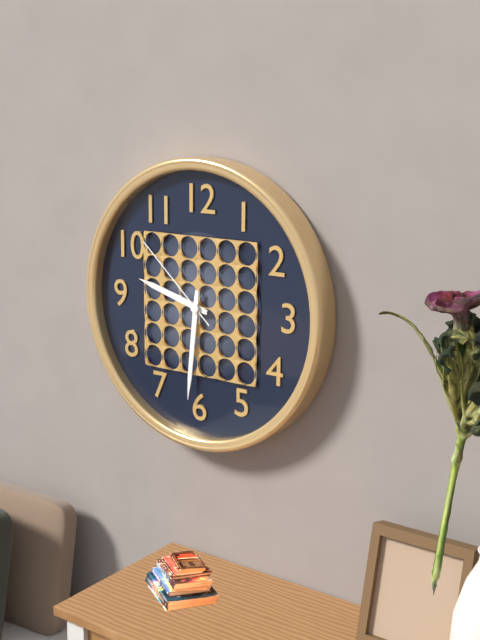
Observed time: 9:31:52
